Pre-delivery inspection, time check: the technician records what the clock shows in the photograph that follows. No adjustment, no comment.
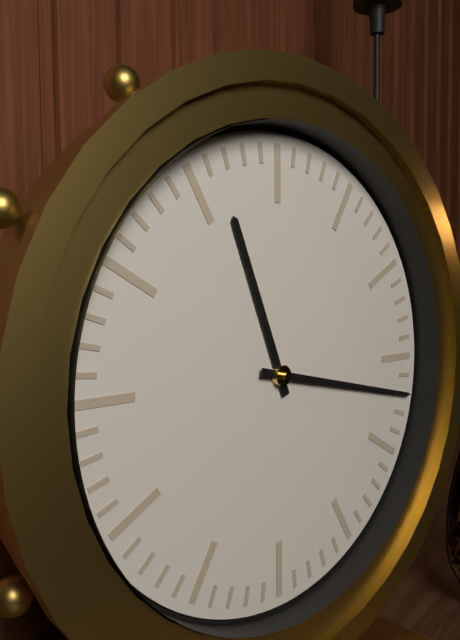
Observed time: 11:17
